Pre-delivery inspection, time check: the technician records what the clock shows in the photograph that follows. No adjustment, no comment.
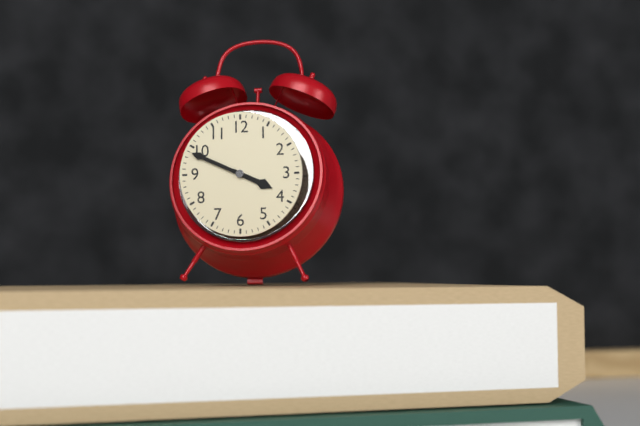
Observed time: 3:49
